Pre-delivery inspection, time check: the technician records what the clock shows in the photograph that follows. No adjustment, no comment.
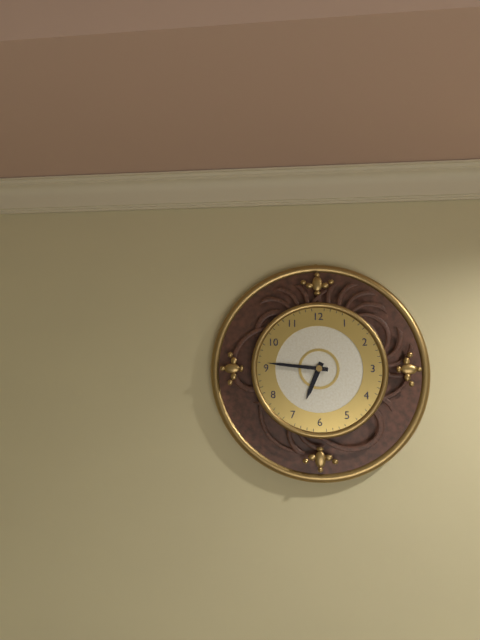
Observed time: 6:46
